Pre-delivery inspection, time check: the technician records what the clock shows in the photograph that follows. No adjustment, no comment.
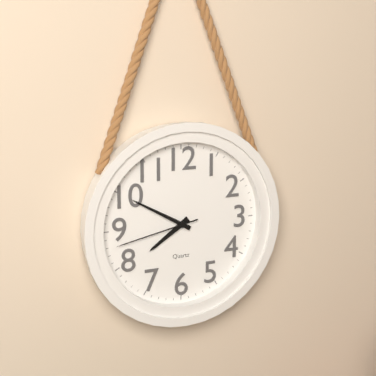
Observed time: 7:50:43
